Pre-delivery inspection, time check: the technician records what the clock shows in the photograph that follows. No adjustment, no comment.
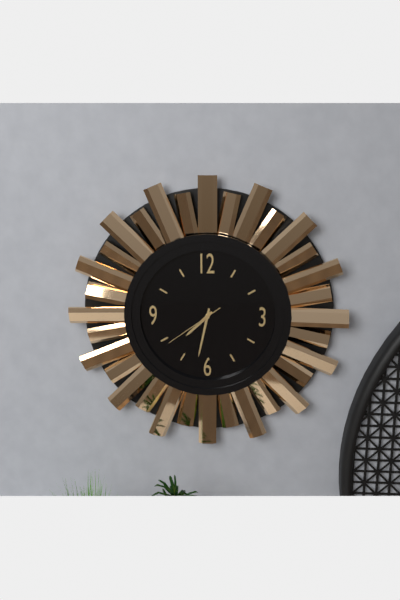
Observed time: 7:32:39
